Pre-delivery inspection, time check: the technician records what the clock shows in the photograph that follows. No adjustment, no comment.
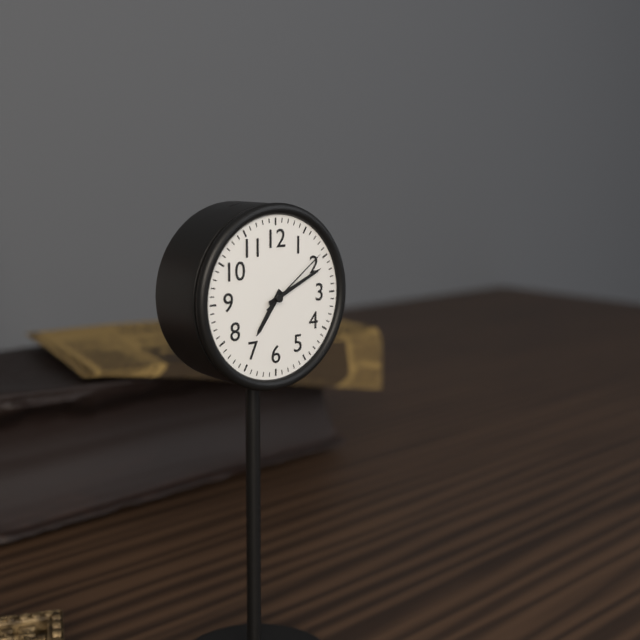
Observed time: 7:11:09
